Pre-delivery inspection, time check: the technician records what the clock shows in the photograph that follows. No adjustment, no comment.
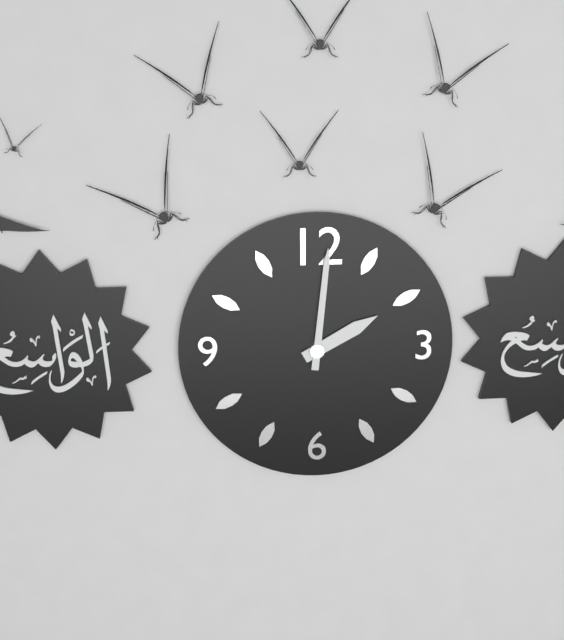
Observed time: 2:01
